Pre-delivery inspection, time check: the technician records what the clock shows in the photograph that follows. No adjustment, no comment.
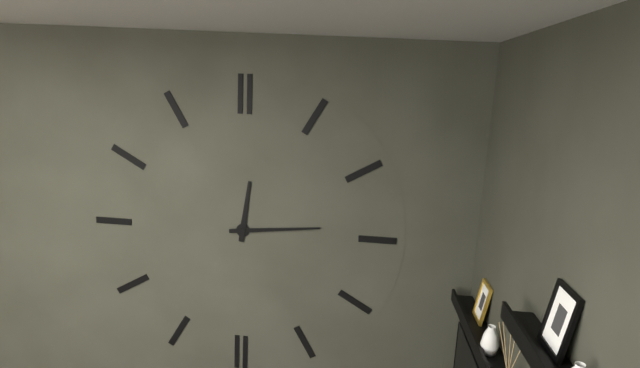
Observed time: 12:14
